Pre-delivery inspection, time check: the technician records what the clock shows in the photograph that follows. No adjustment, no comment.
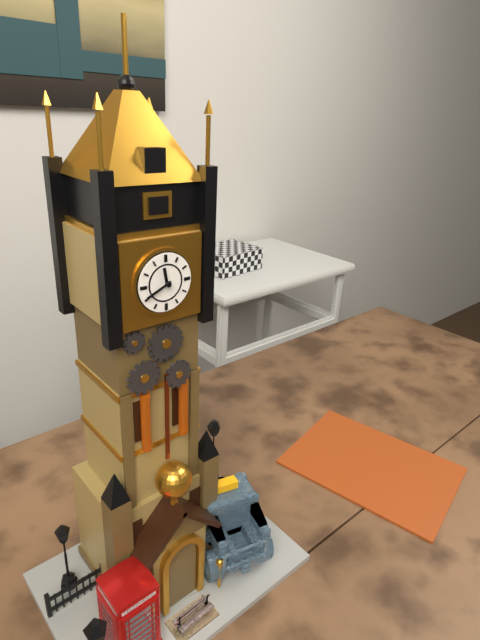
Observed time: 11:41
